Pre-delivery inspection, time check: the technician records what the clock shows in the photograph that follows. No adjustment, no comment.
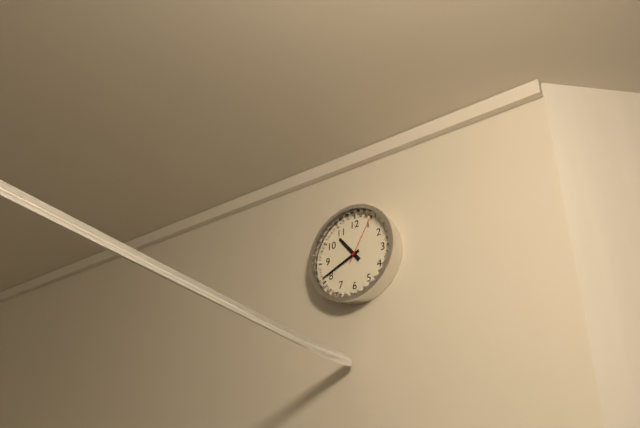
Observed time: 10:41:05
